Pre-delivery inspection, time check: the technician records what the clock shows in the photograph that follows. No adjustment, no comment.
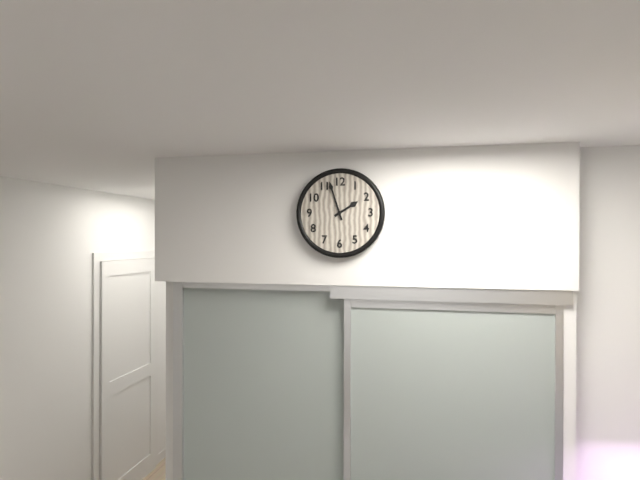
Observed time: 1:57
